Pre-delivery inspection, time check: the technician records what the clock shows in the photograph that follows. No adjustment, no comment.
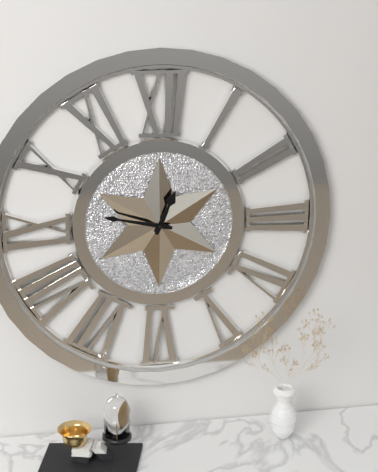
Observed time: 12:47
